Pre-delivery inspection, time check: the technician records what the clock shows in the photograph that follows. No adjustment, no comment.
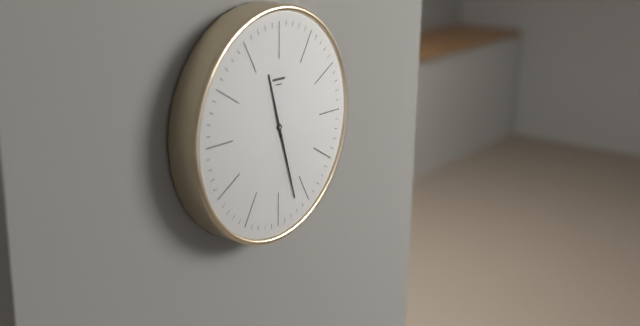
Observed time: 11:27
